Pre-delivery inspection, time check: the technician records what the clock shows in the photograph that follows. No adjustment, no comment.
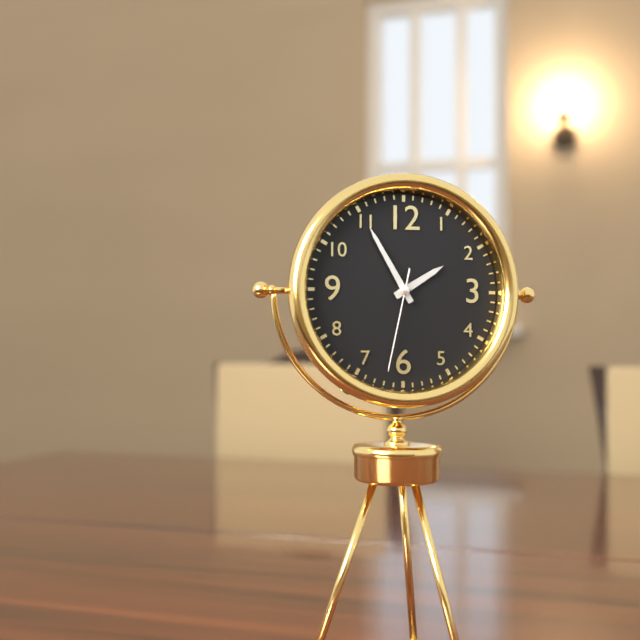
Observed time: 1:55:32
